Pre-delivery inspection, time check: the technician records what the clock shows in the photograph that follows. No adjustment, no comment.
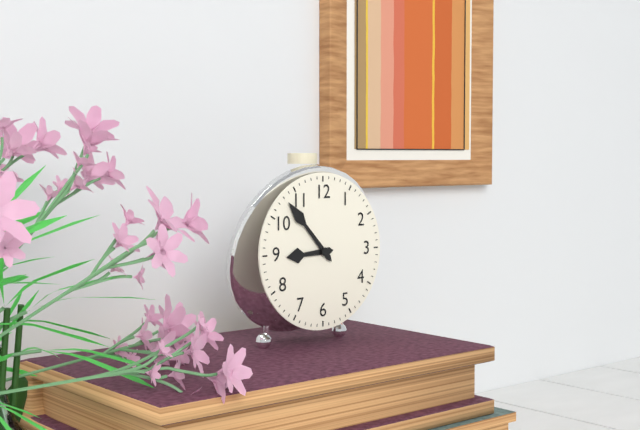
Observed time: 8:53
